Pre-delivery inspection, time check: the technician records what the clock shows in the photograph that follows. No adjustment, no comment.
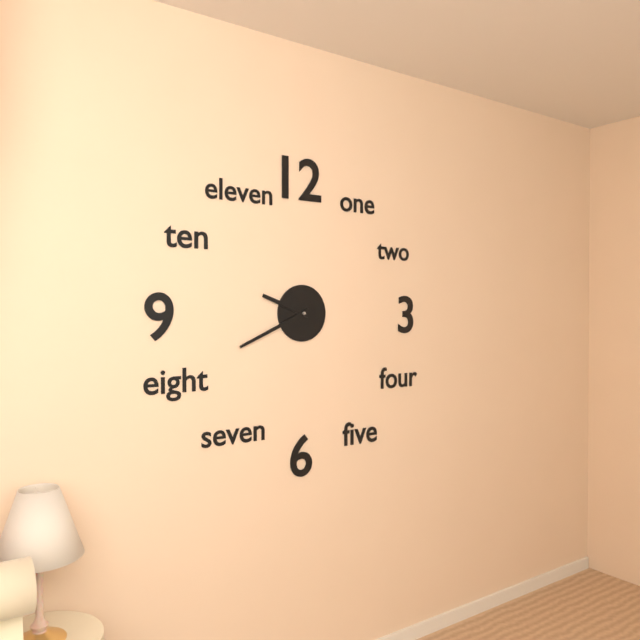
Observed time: 9:41
